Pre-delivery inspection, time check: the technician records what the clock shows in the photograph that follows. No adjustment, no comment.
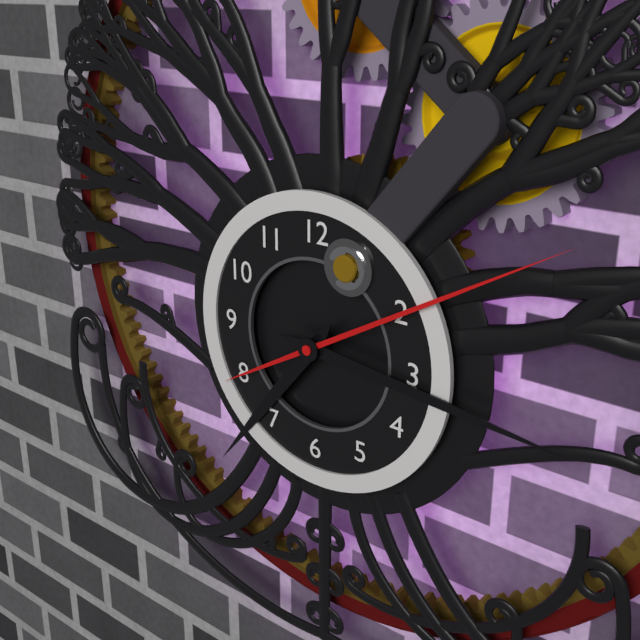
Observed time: 7:16:10
